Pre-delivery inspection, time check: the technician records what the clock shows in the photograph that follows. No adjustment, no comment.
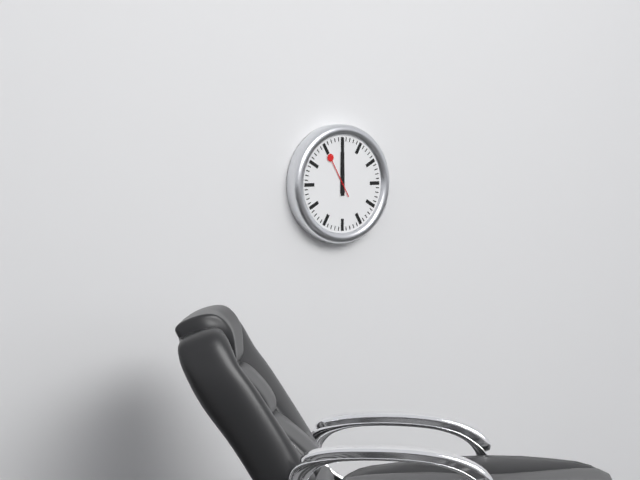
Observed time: 12:00
